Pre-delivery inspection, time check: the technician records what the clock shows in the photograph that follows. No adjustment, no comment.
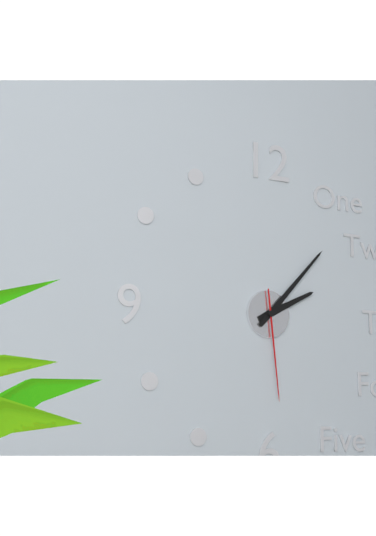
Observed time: 2:07:29
